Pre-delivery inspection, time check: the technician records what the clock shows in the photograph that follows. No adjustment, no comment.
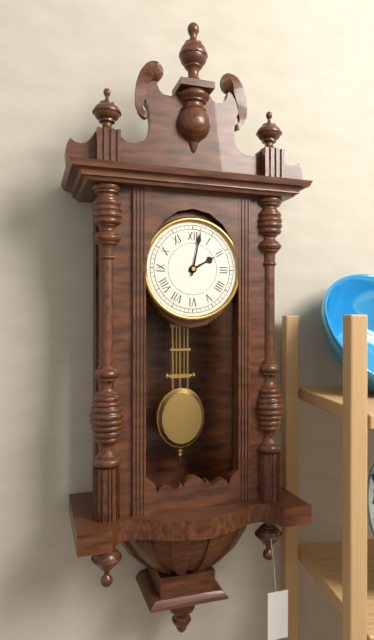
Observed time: 2:02
